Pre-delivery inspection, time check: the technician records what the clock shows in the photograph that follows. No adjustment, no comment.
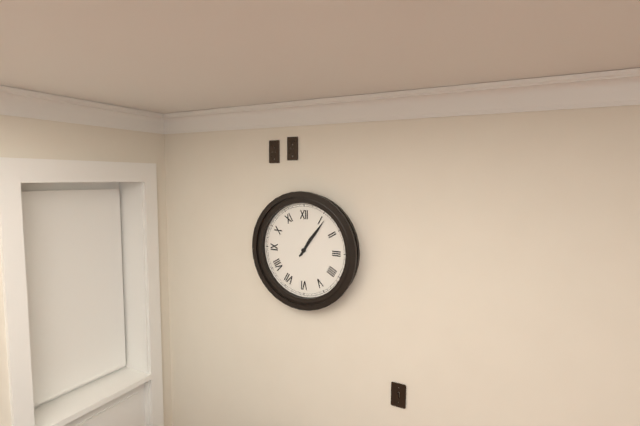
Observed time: 1:06
